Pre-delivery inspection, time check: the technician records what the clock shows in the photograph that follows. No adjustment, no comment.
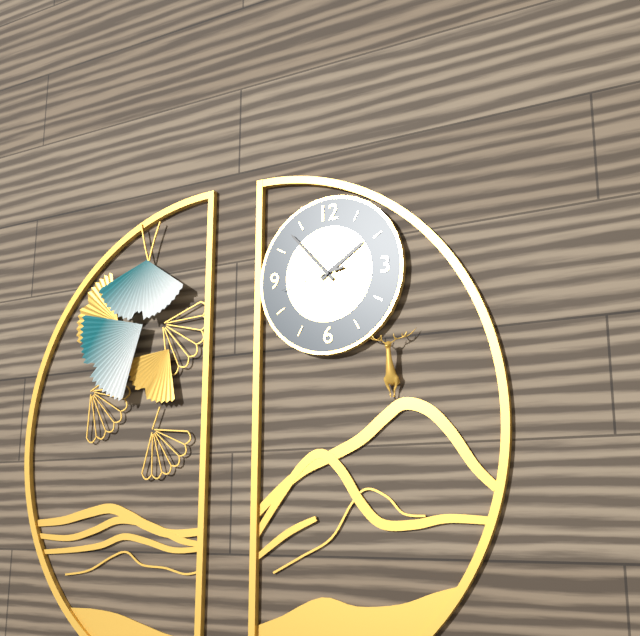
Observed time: 1:53:43
